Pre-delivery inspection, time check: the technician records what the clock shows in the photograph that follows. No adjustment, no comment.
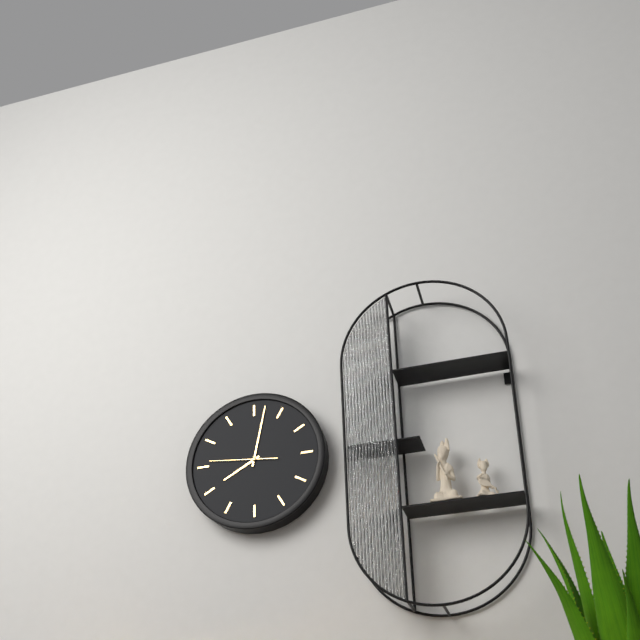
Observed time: 8:02:46
